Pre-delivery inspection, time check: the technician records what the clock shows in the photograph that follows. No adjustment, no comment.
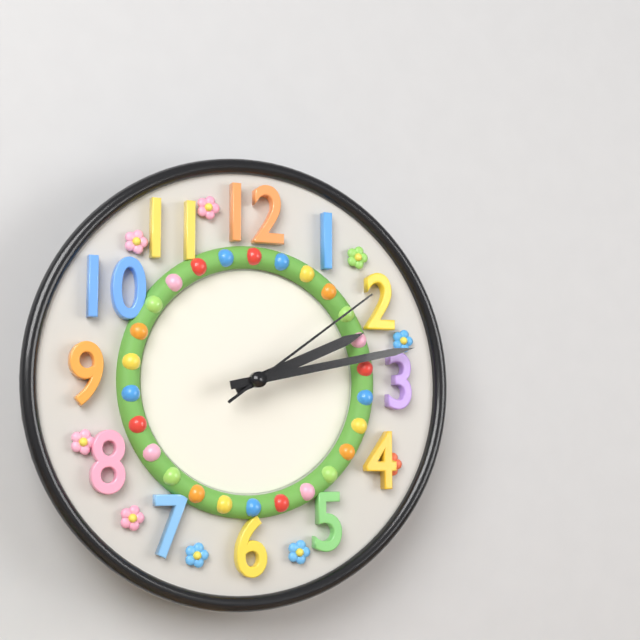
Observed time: 2:13:09
